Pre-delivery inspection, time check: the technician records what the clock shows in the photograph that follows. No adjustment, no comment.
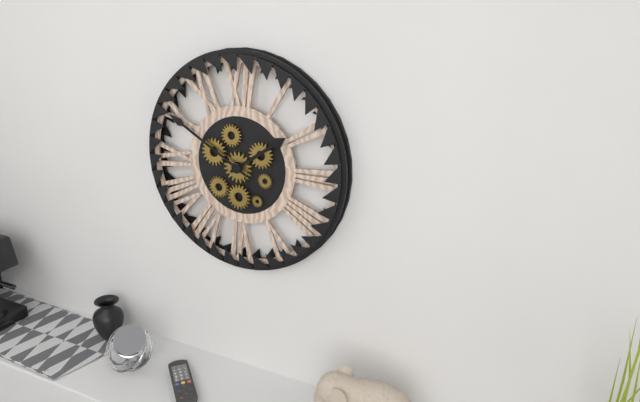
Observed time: 1:50
